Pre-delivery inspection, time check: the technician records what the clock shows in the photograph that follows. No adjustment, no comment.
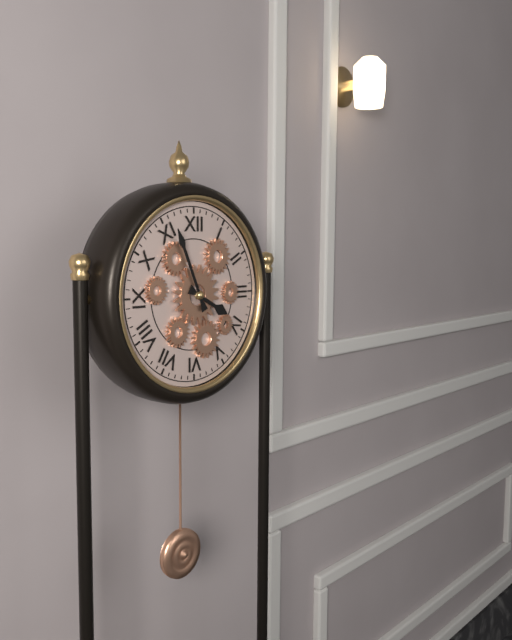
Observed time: 3:56
